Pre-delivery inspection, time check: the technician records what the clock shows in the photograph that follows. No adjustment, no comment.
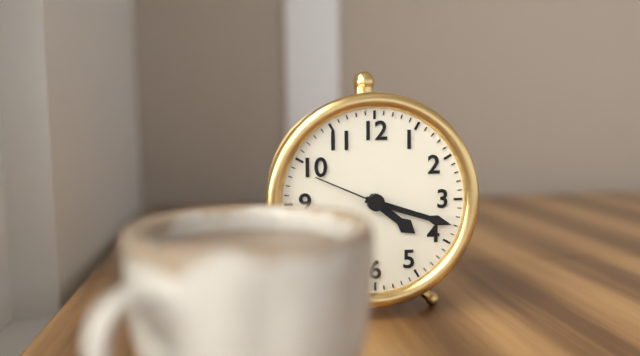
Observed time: 4:18:49
